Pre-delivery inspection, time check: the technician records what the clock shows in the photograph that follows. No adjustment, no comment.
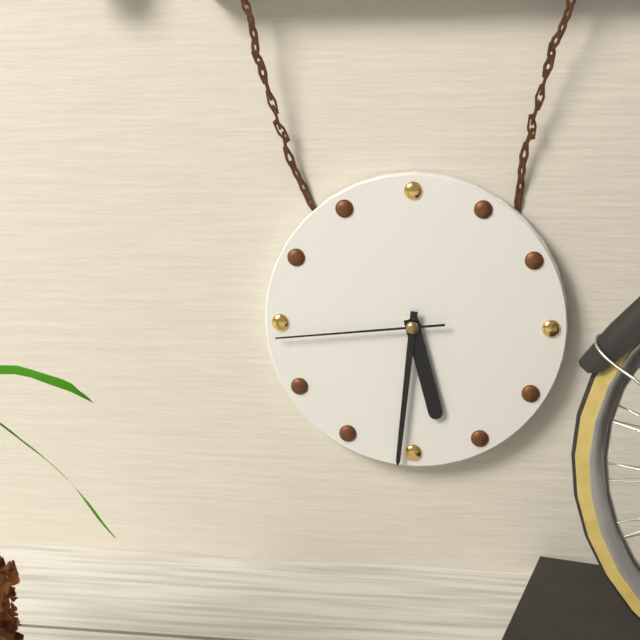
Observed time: 5:31:44
